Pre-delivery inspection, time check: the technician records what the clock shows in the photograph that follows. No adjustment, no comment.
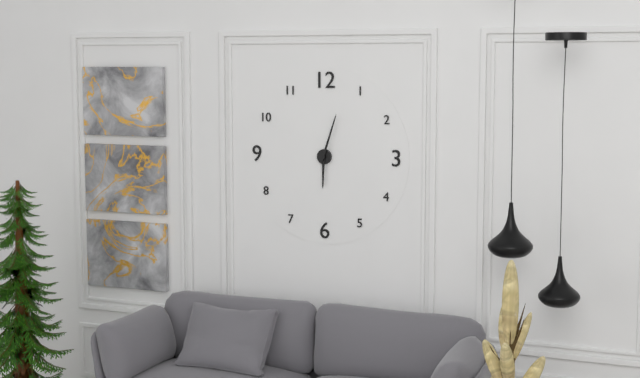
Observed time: 6:03
